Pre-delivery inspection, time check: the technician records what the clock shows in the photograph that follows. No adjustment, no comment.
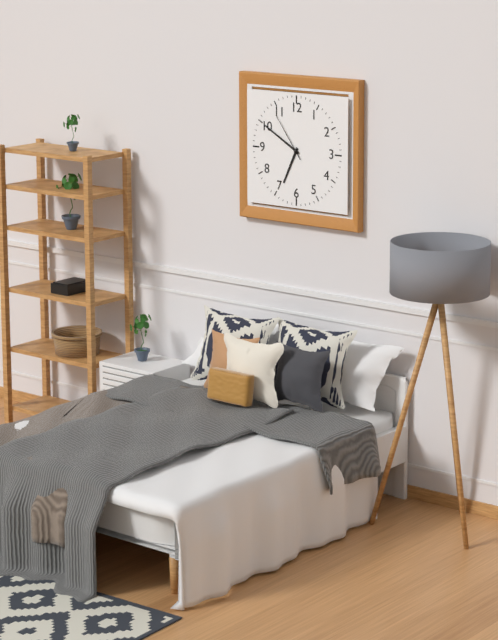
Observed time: 6:50:54
